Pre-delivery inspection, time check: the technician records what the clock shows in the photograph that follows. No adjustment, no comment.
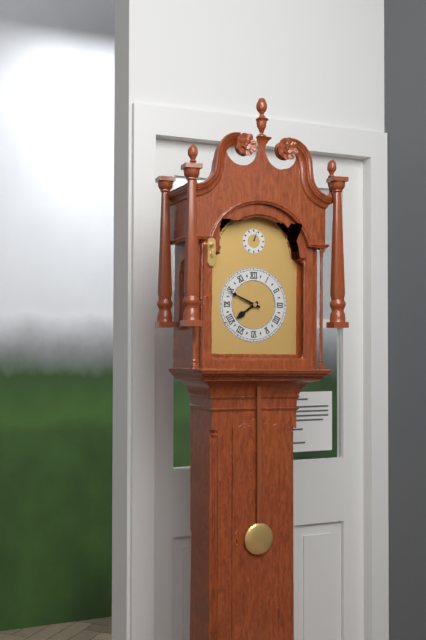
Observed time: 7:49
